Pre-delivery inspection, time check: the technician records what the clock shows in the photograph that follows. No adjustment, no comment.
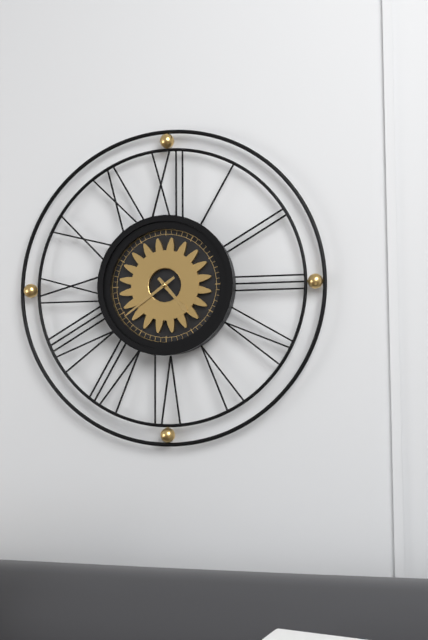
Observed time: 4:39
